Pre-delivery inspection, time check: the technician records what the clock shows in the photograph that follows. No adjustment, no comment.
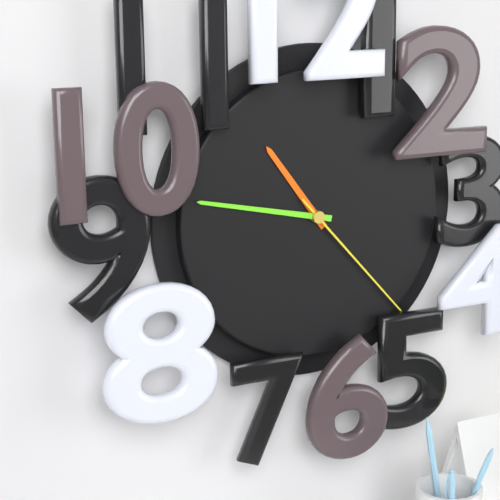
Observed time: 10:47:23
